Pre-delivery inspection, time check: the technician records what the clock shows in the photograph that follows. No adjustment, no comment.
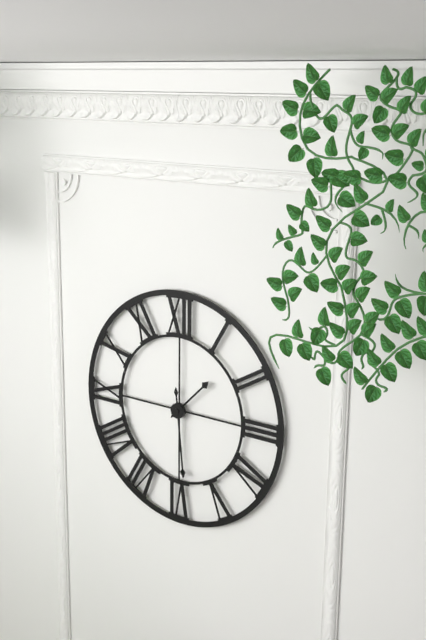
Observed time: 1:29
